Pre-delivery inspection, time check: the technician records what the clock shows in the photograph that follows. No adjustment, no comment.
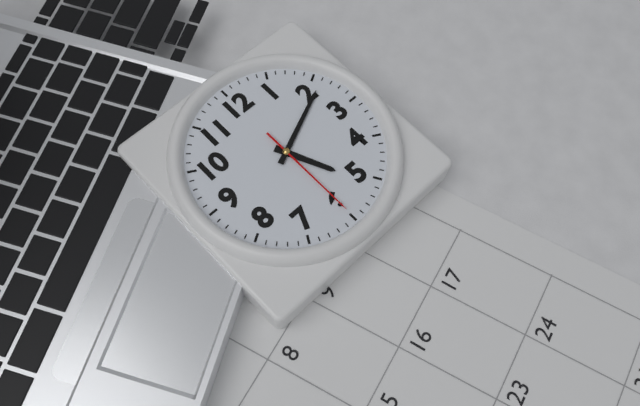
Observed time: 5:11:30
